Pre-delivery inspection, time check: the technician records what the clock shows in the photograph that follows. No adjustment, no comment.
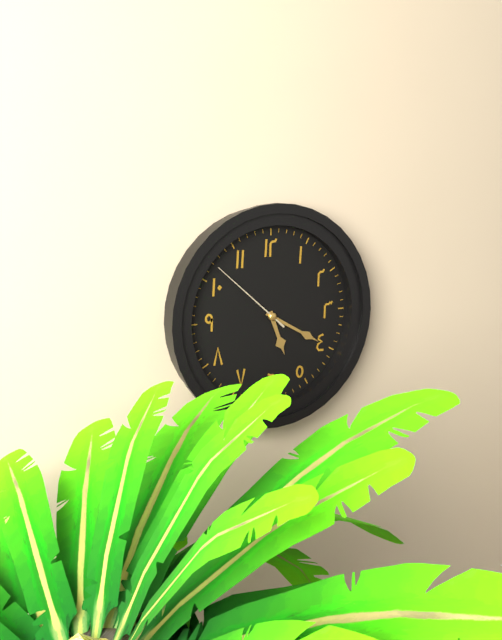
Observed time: 5:20:52
